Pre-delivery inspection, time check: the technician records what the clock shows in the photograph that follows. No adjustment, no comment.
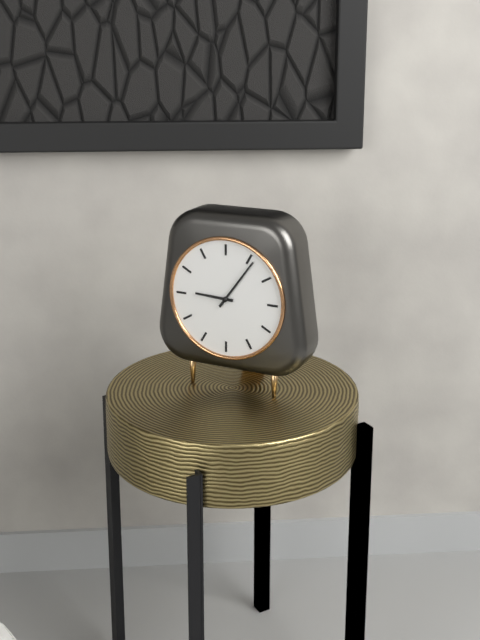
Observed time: 9:06
